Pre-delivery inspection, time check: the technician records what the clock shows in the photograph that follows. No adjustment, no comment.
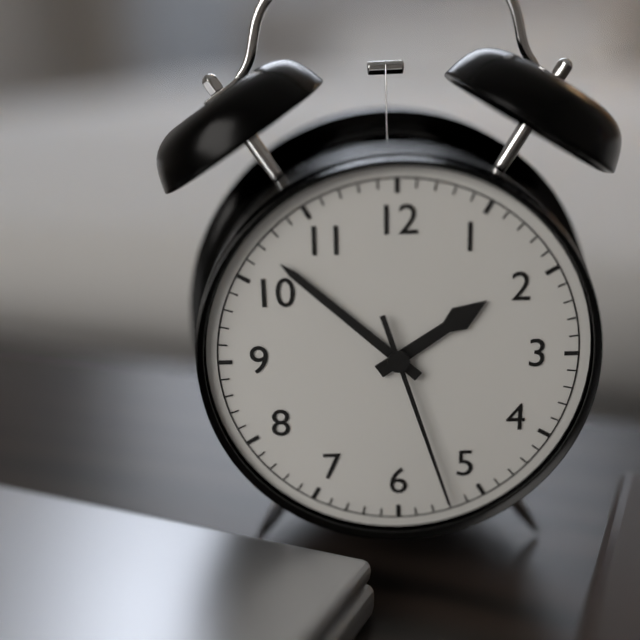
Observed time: 1:52:27
